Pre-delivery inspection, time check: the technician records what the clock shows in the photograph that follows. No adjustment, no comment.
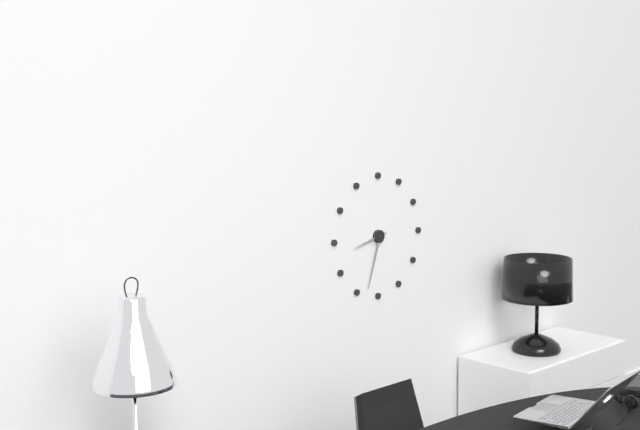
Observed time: 8:33
